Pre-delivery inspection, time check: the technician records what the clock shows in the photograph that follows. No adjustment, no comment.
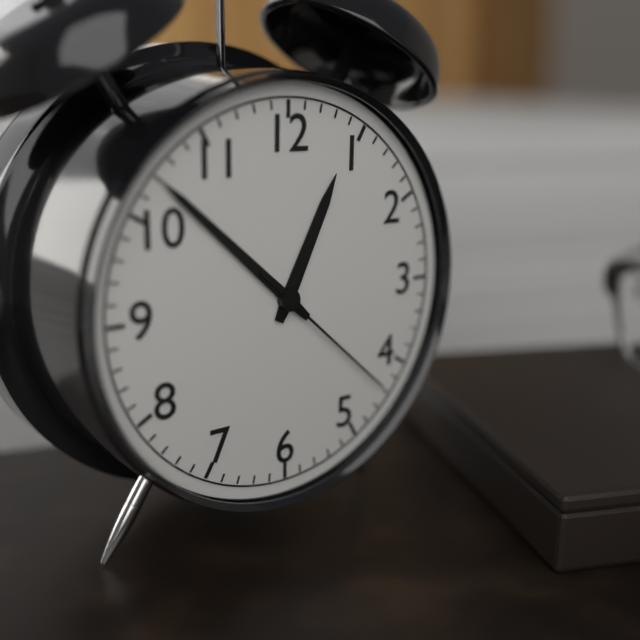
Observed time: 12:52:22
